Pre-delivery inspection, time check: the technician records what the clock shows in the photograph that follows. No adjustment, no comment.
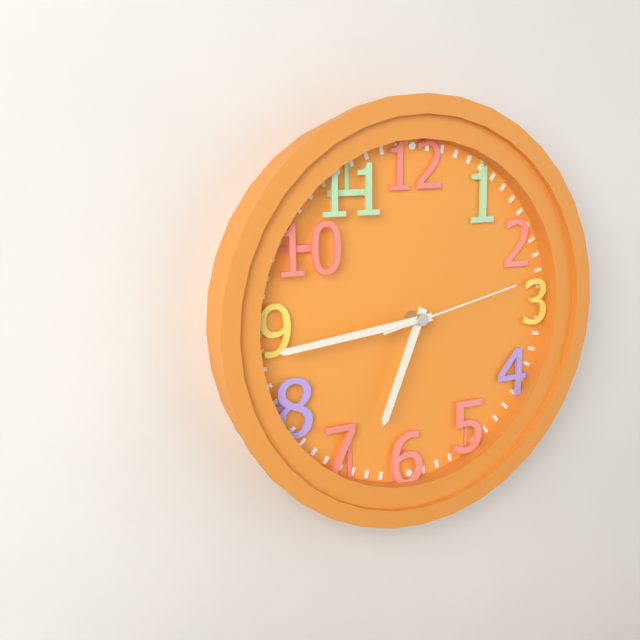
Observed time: 6:44:13
